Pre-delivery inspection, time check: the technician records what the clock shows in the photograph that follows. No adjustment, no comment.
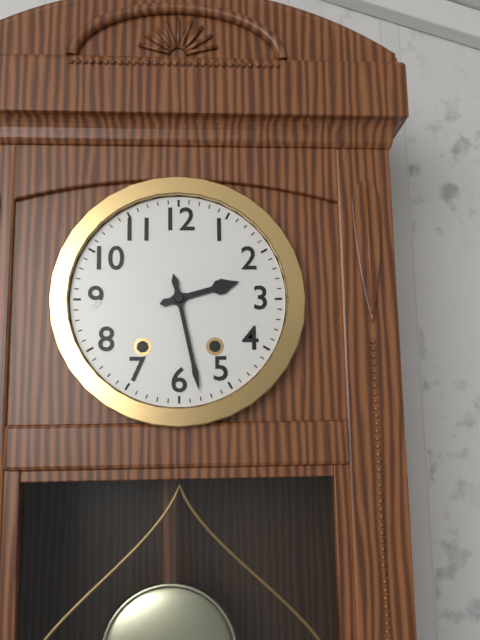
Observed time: 2:28
